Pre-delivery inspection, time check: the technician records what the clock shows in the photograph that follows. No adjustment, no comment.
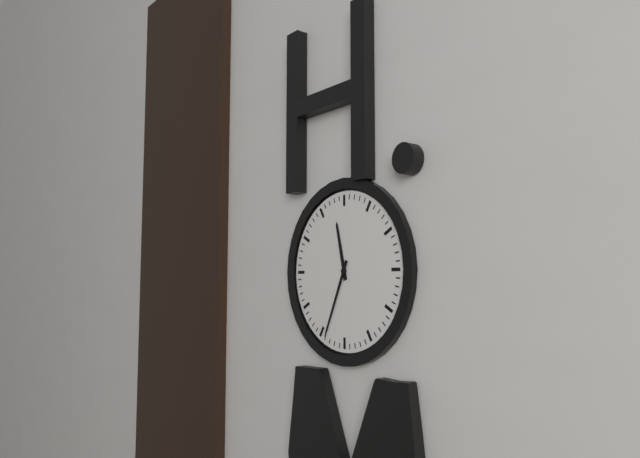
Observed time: 11:34
